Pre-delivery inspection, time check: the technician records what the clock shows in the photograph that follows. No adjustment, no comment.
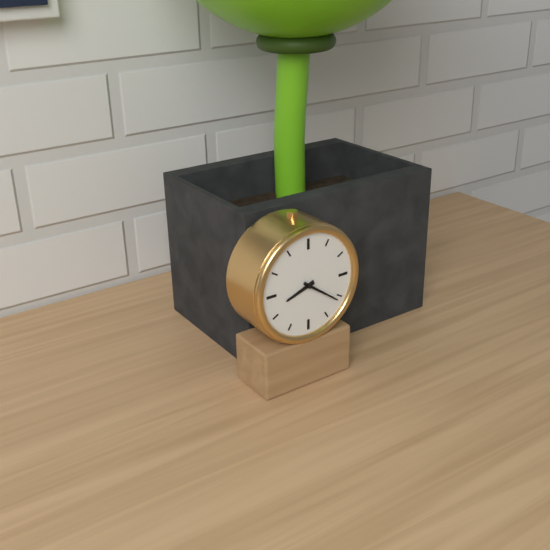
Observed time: 8:21
